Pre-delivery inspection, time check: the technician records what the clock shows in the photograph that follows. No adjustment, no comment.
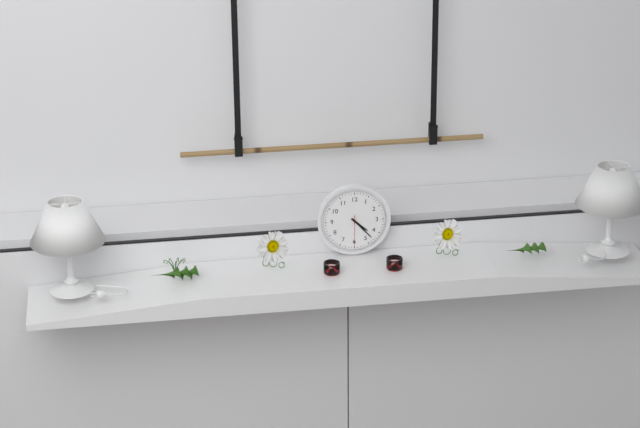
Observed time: 4:23
